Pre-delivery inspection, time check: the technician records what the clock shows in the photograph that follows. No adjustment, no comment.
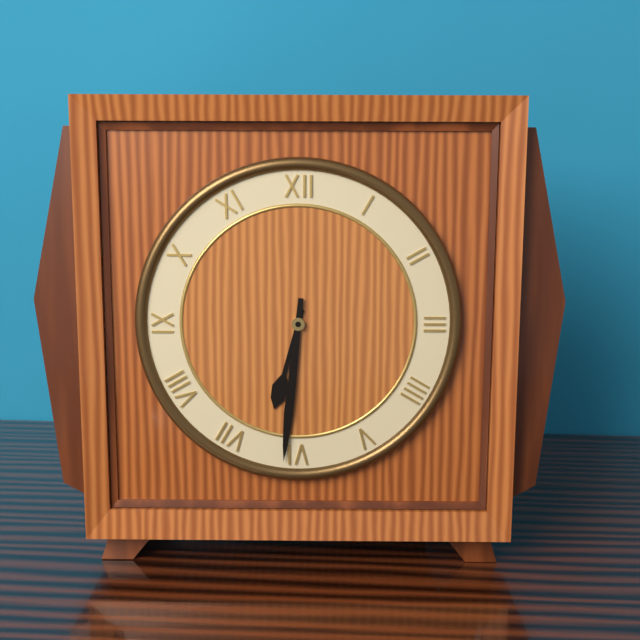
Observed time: 6:31
